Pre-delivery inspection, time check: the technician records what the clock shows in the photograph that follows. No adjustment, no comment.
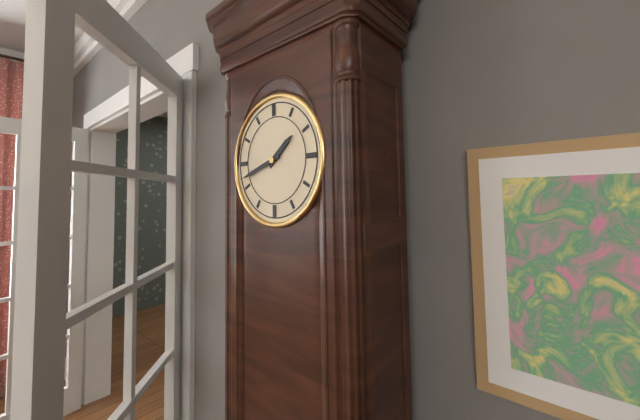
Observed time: 1:42
